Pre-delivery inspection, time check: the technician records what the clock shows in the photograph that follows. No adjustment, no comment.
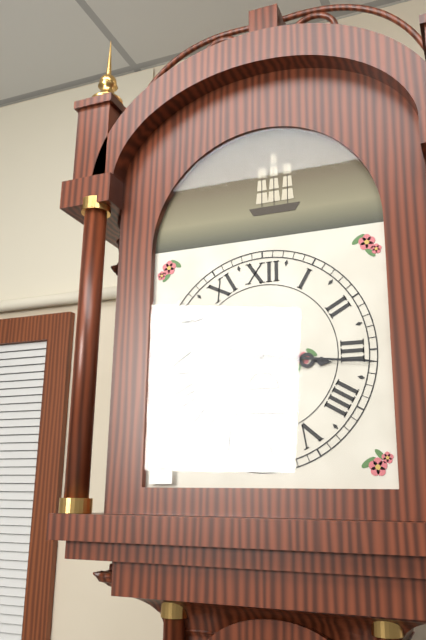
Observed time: 3:16
